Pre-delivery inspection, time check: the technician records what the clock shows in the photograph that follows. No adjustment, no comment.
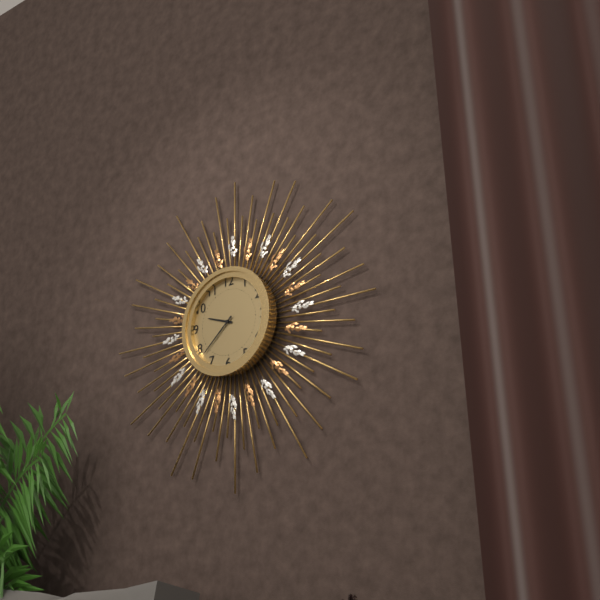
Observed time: 9:38
